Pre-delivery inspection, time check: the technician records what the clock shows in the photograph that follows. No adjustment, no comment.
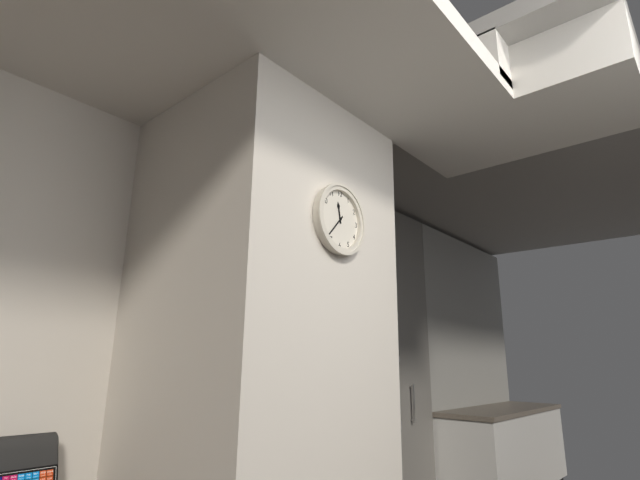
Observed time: 11:37
